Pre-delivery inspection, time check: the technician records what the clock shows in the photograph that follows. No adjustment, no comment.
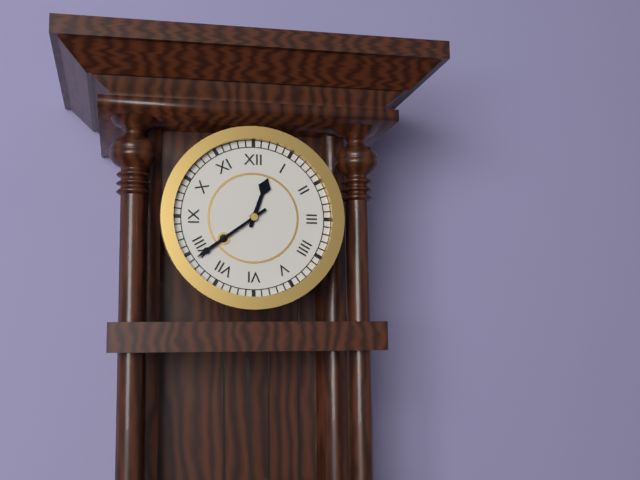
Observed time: 12:39
